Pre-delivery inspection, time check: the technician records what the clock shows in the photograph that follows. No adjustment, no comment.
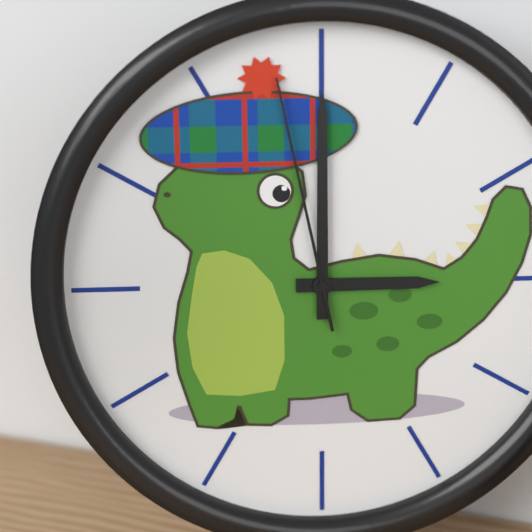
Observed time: 3:00:58
